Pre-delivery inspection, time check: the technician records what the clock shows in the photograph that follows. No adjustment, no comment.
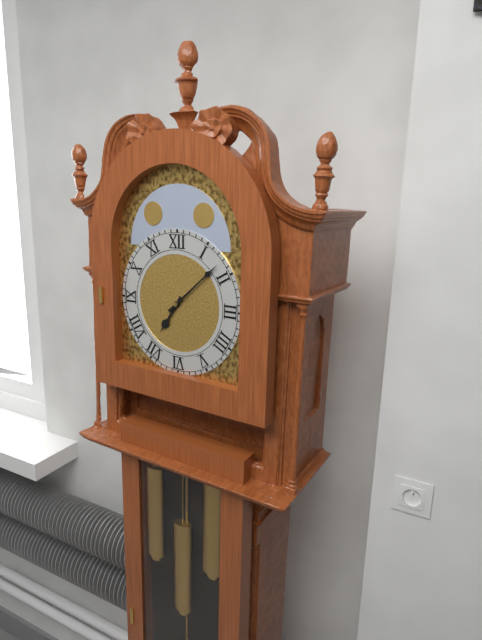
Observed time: 7:08
